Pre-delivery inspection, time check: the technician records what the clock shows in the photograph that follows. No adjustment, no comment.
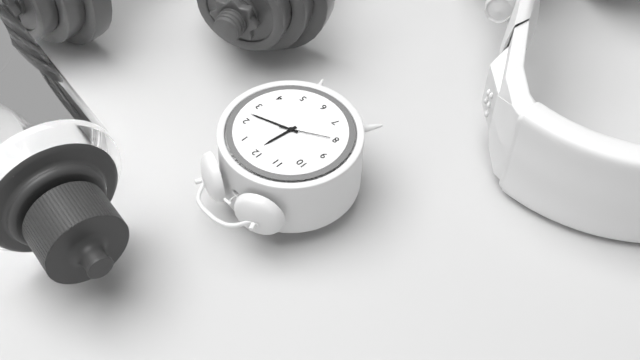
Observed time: 12:12:40
